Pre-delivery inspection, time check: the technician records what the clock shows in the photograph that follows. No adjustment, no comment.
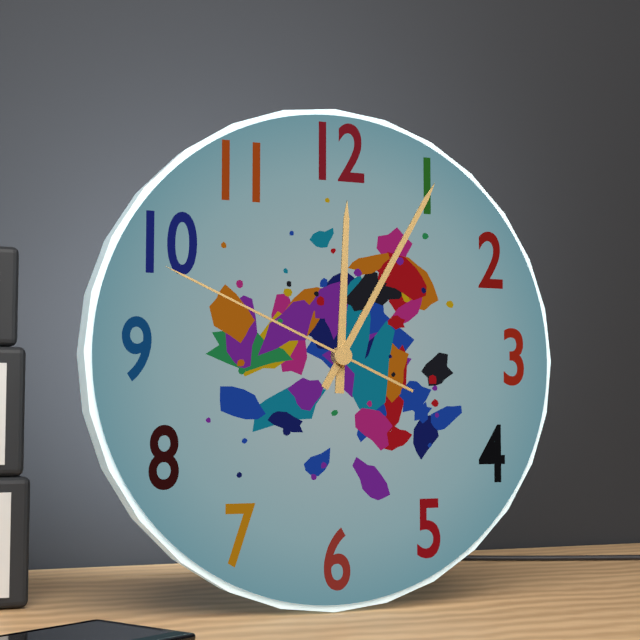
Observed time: 12:05:49
